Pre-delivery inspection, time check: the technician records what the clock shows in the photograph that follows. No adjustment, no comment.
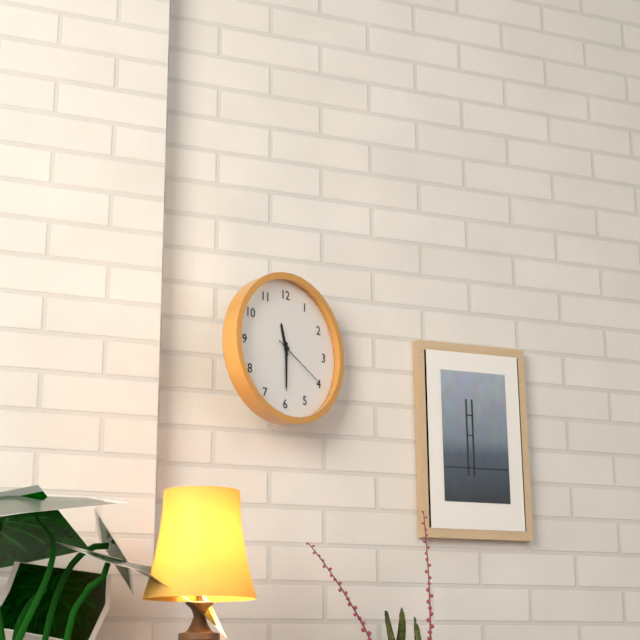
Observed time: 11:30:20
